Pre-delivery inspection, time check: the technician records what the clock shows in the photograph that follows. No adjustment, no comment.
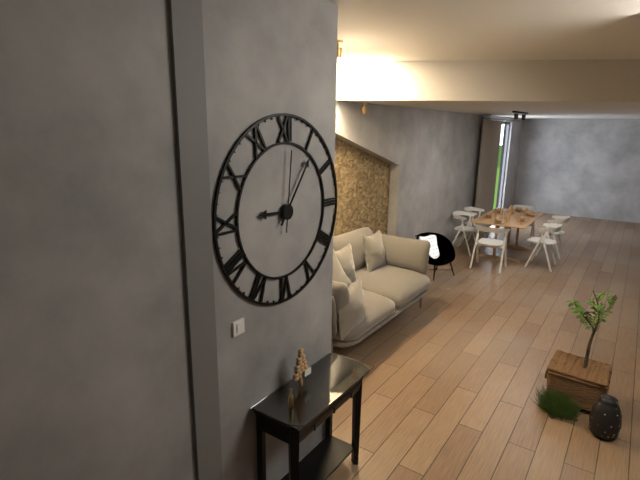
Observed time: 9:06:01
